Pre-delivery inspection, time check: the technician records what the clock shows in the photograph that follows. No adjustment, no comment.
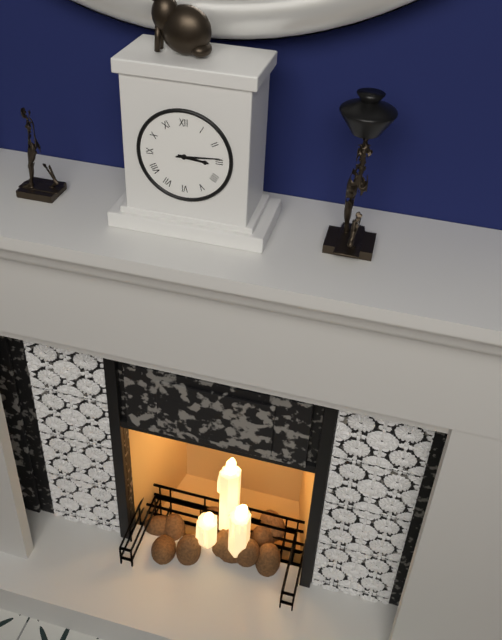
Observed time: 3:14
